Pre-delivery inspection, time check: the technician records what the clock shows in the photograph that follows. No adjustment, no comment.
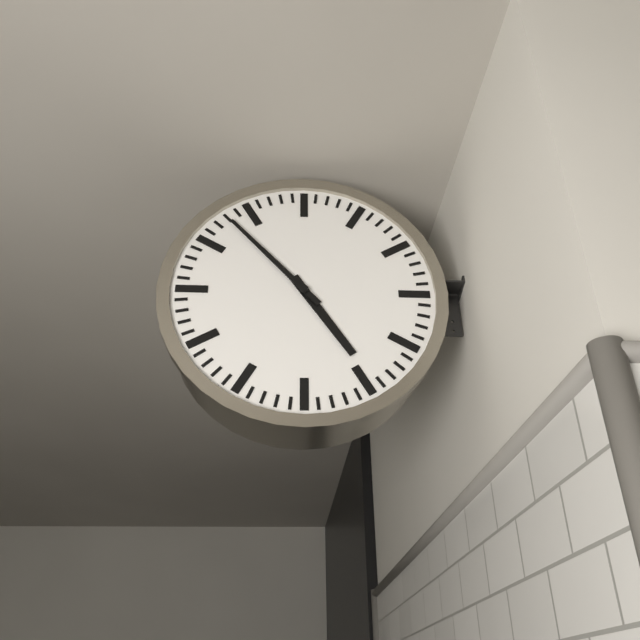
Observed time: 4:53
